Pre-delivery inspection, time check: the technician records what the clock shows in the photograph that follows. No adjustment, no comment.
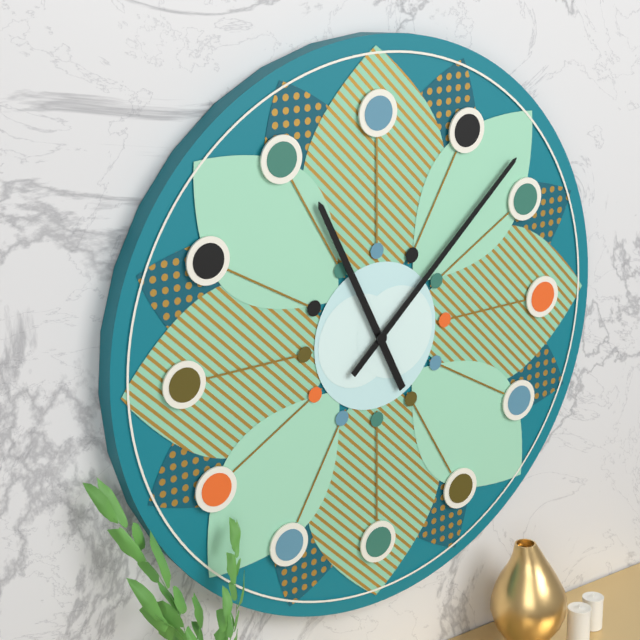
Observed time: 11:08
